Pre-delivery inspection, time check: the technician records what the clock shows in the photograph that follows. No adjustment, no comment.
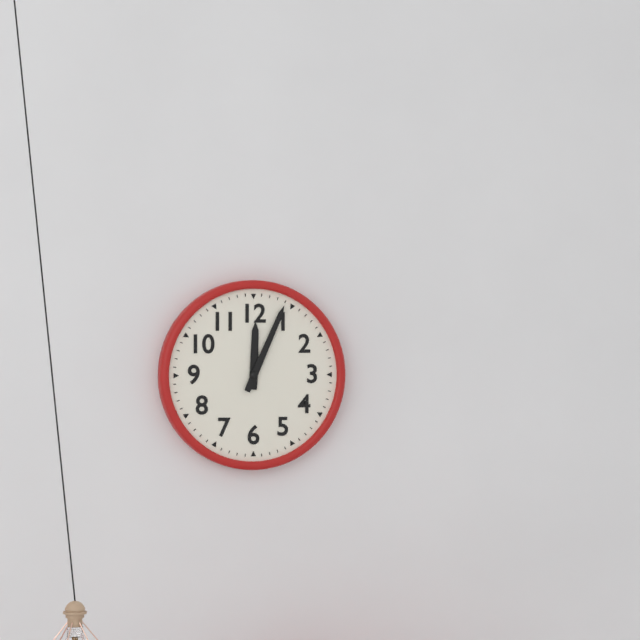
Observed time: 12:04
